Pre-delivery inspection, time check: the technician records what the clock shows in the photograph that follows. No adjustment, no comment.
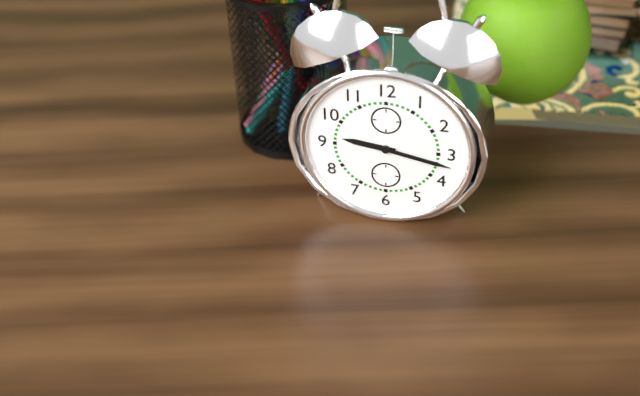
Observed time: 9:17
